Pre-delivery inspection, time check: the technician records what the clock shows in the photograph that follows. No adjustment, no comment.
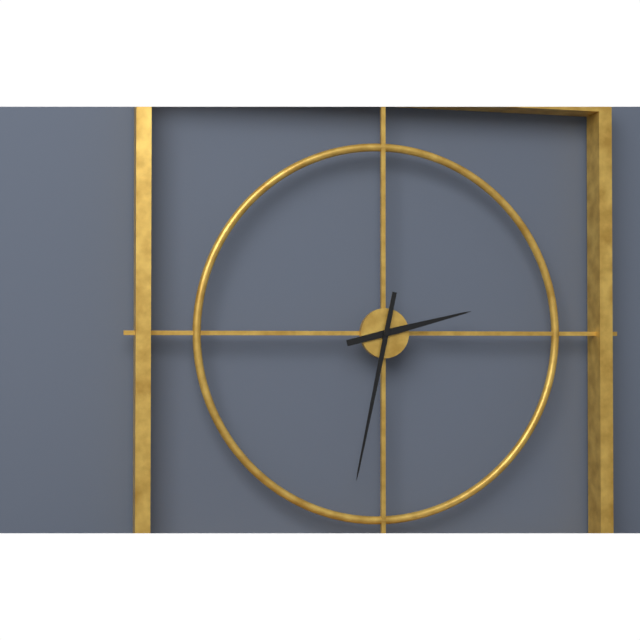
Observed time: 2:32
